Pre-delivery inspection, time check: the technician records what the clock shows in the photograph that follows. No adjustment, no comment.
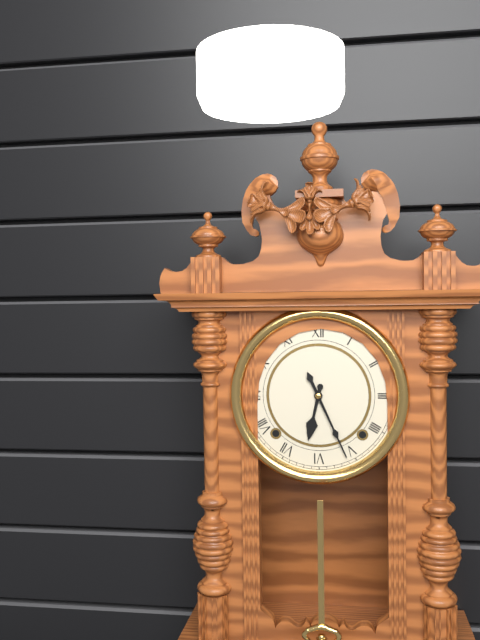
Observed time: 6:26
